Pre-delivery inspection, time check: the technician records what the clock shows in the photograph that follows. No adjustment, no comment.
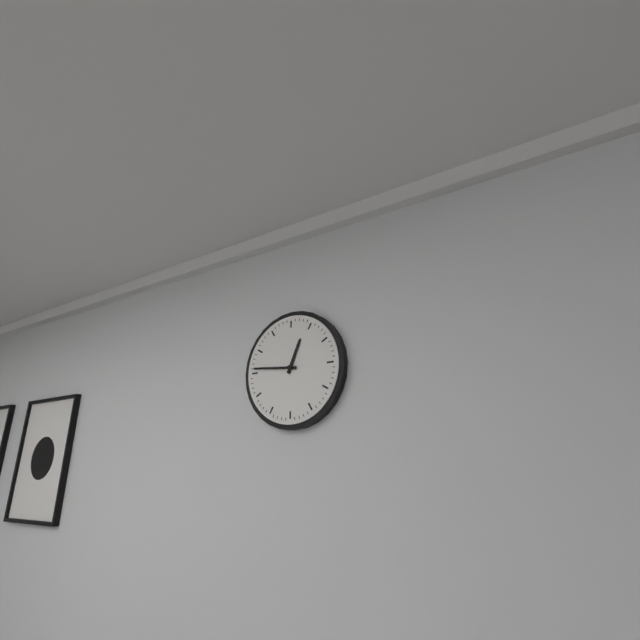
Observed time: 12:46
